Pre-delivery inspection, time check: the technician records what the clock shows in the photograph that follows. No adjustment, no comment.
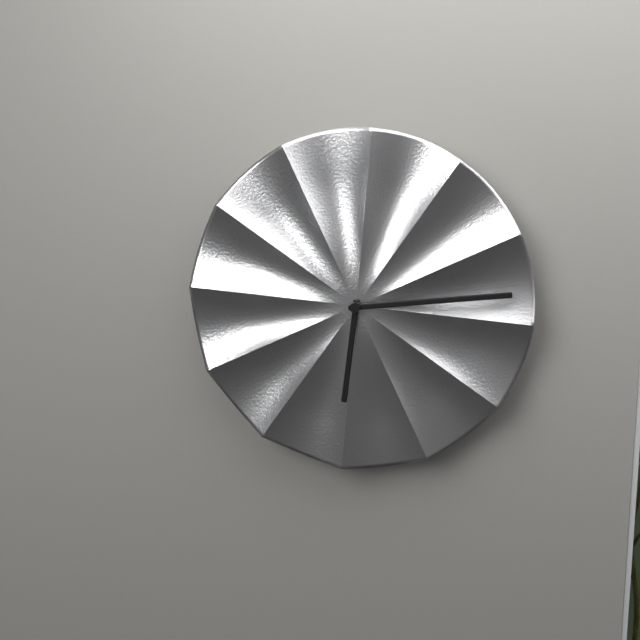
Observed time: 6:14
